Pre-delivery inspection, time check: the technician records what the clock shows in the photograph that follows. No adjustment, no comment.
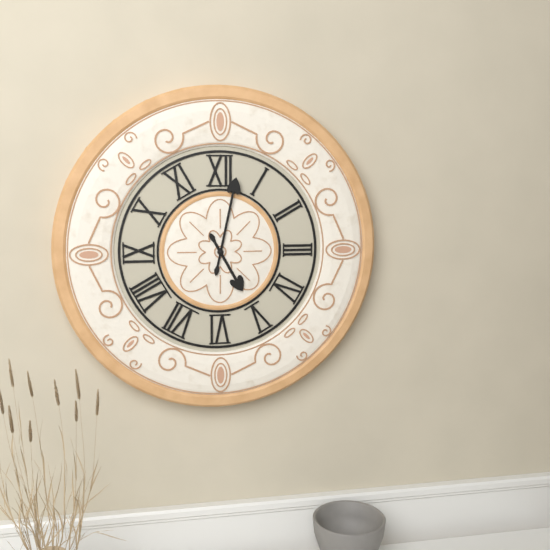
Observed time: 5:02
